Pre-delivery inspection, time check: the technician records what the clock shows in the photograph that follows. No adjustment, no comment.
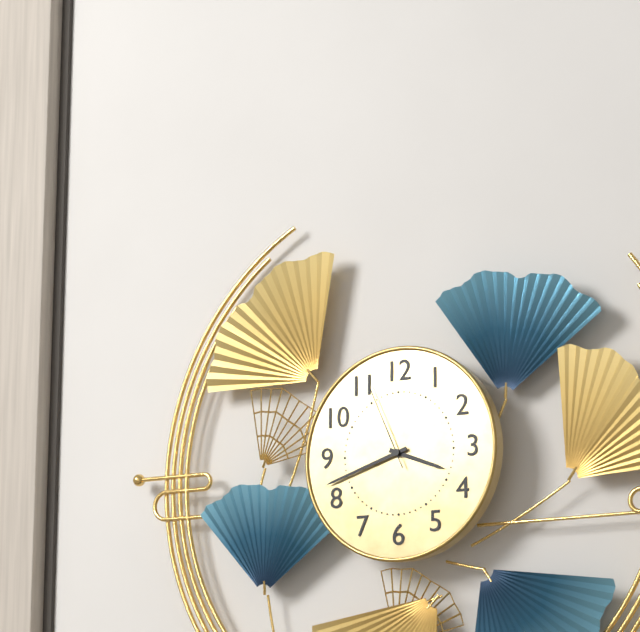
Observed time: 3:42:56
